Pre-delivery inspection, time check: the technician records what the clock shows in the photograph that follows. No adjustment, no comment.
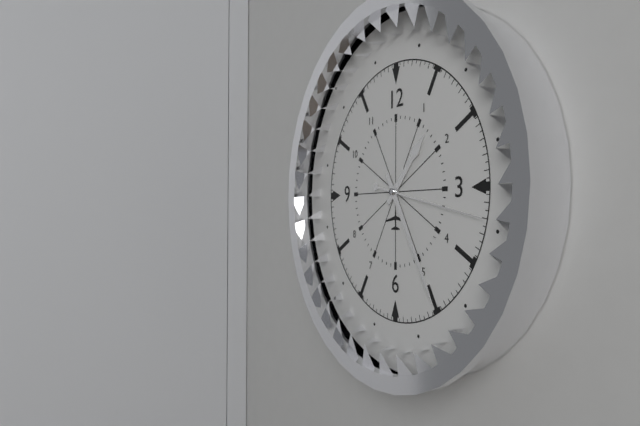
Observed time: 1:25:17
